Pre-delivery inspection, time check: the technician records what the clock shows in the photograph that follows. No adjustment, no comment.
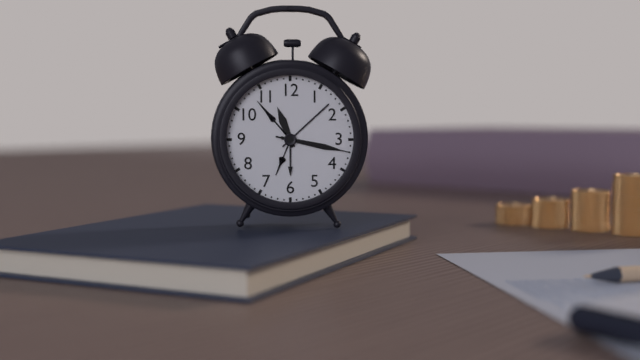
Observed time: 11:17:17
